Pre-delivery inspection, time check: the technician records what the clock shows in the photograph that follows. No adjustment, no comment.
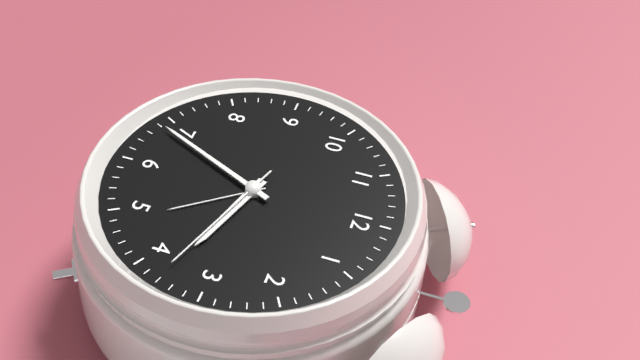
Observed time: 3:34:18
